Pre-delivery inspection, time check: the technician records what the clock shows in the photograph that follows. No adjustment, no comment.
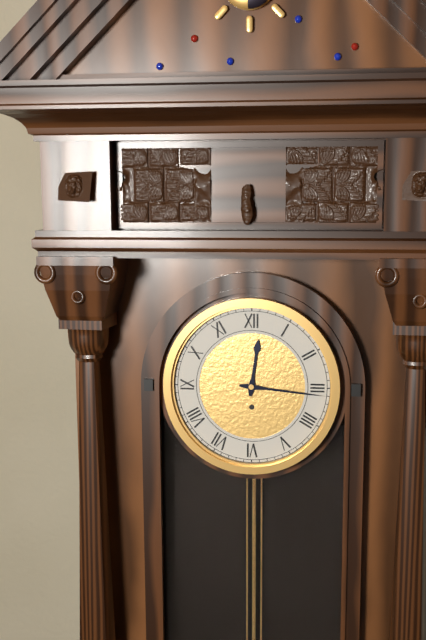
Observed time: 12:16
